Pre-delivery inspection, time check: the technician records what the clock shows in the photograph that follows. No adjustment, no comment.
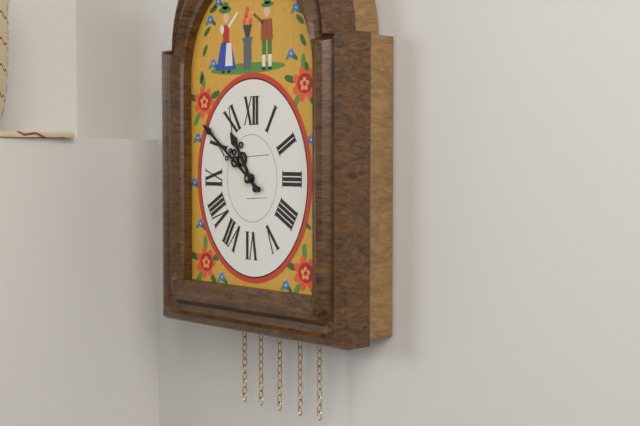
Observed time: 10:51
